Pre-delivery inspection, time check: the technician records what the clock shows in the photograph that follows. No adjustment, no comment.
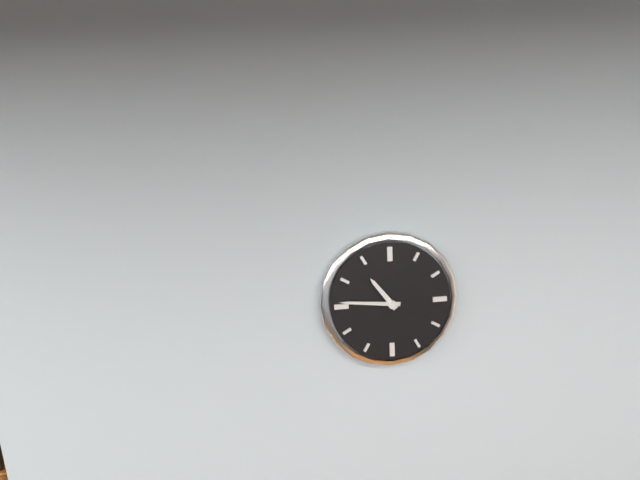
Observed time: 10:46
